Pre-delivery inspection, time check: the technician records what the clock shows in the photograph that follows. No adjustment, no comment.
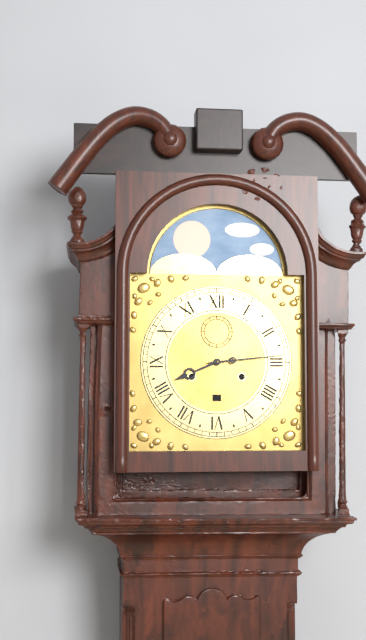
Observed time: 8:14
